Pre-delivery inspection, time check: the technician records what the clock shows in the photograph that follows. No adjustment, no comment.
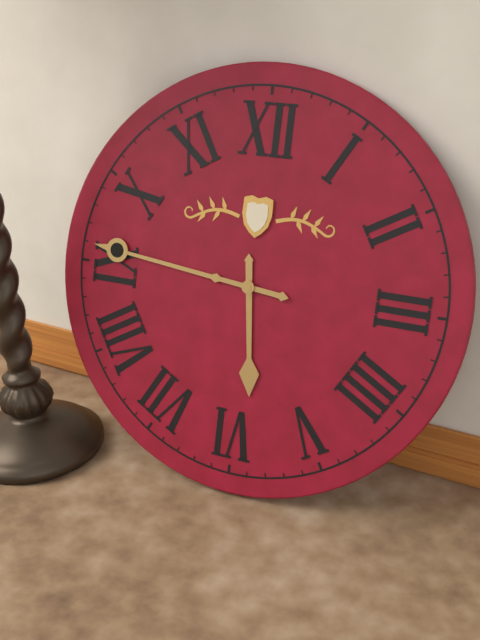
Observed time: 5:46
